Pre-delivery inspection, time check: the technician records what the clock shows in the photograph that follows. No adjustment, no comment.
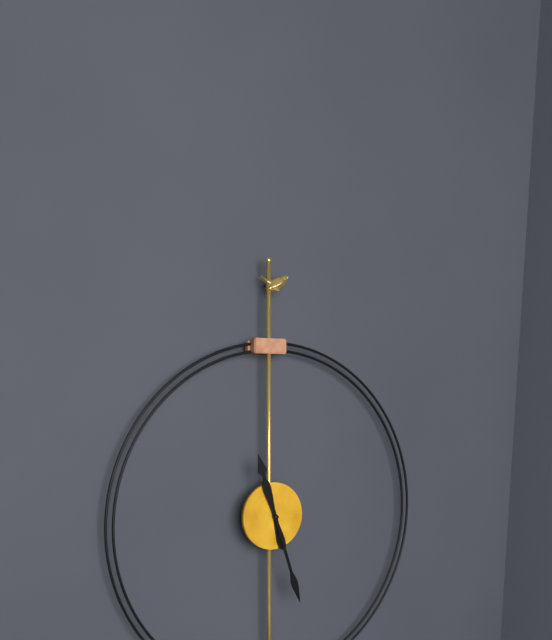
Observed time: 11:27
